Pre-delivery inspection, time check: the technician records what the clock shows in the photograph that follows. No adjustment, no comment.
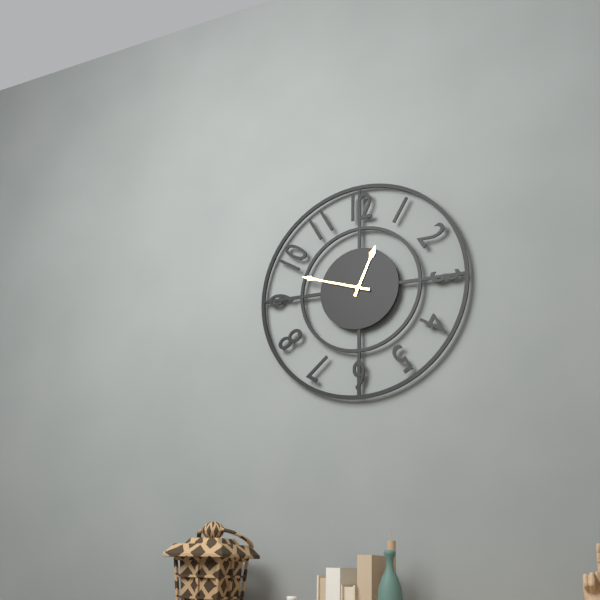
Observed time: 12:48
